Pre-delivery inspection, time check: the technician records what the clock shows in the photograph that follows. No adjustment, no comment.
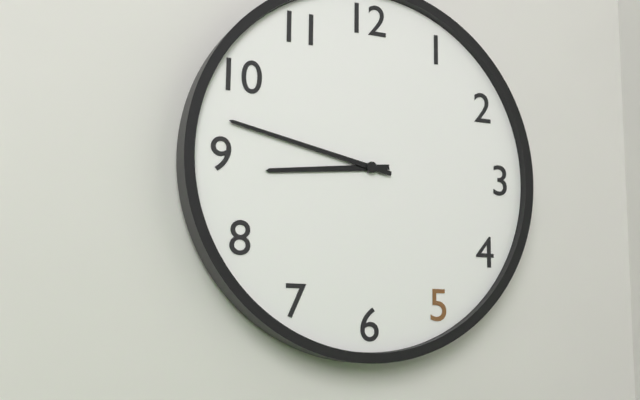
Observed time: 8:47
